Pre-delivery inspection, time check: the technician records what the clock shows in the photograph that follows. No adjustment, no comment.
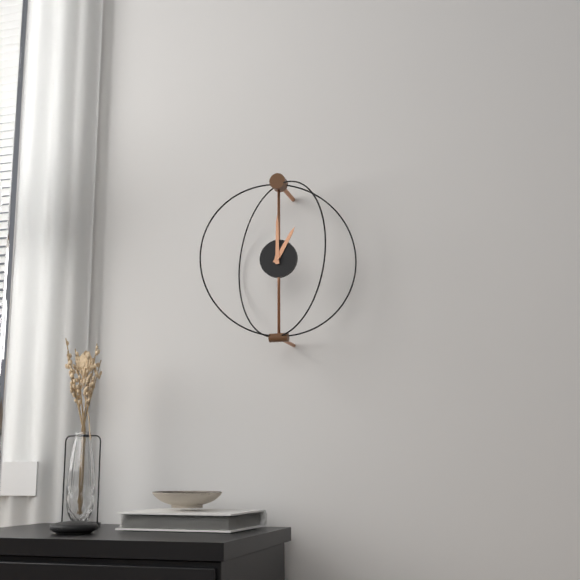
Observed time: 1:00
